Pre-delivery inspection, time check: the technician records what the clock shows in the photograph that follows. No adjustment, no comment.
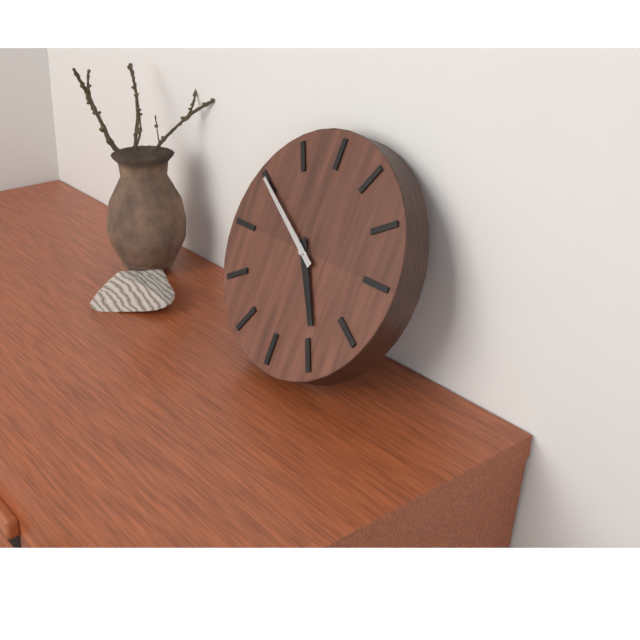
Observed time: 4:50
